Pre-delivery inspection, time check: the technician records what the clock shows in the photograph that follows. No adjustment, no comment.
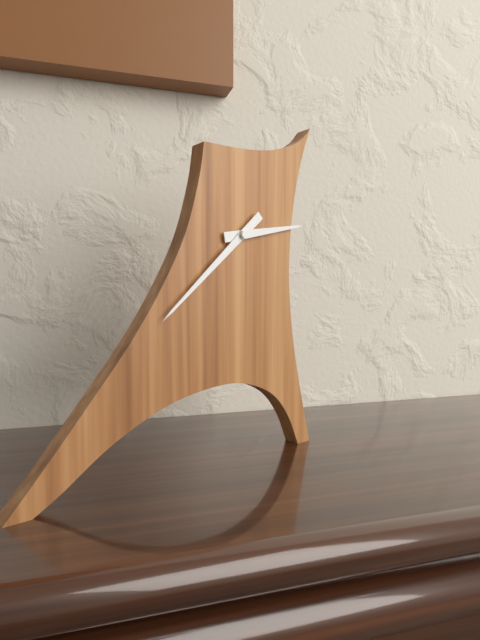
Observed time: 2:38
